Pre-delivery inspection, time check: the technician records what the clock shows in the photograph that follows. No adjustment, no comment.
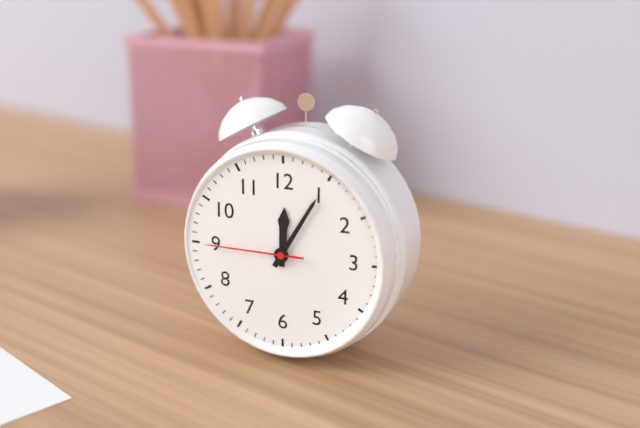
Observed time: 12:05:45
